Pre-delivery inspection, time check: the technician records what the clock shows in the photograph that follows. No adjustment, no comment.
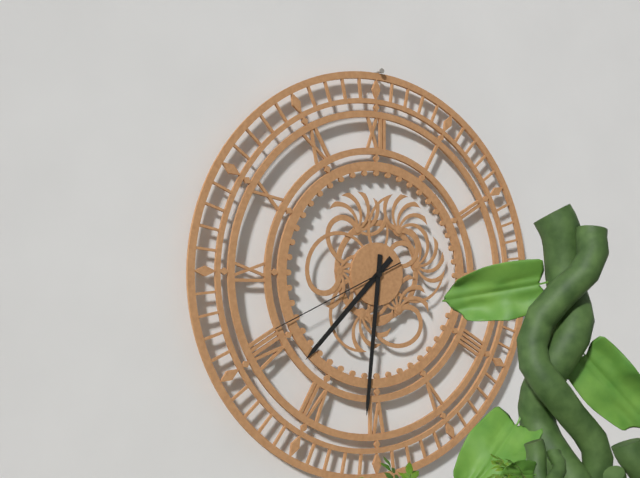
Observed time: 7:31:41
